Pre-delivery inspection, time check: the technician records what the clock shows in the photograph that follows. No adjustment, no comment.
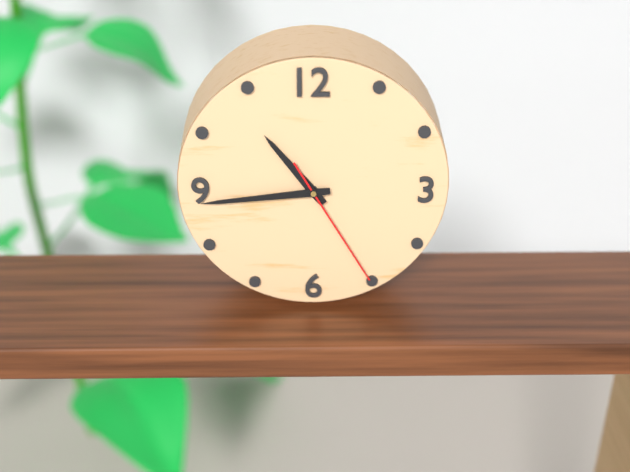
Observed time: 10:44:25
